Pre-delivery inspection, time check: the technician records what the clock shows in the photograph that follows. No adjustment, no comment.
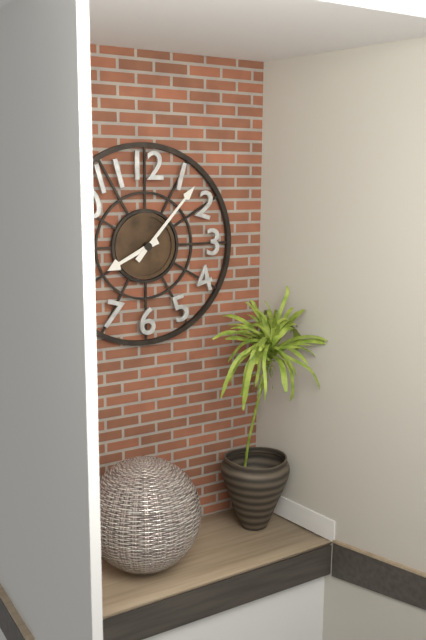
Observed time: 8:07
